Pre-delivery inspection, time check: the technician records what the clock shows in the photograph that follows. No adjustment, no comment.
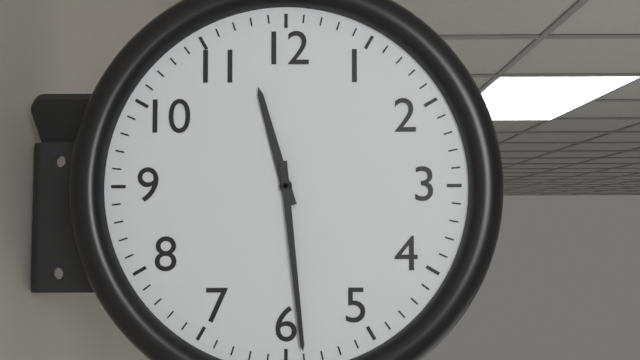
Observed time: 11:29
